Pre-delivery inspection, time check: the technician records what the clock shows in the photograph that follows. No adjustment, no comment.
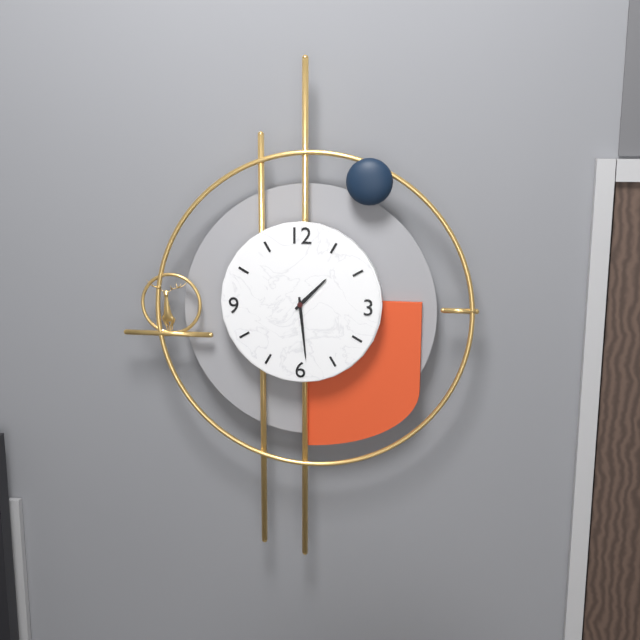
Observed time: 1:29
